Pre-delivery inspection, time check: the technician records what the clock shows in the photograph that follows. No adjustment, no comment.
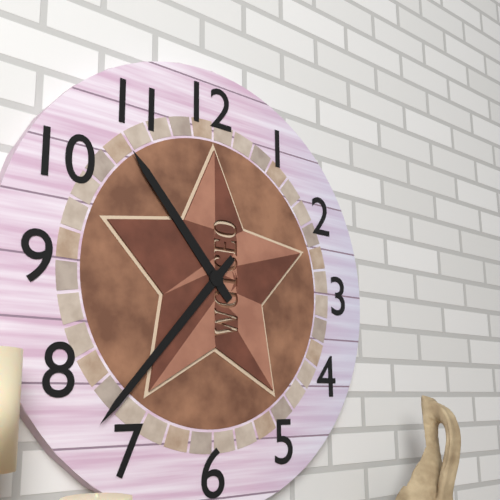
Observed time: 10:37
